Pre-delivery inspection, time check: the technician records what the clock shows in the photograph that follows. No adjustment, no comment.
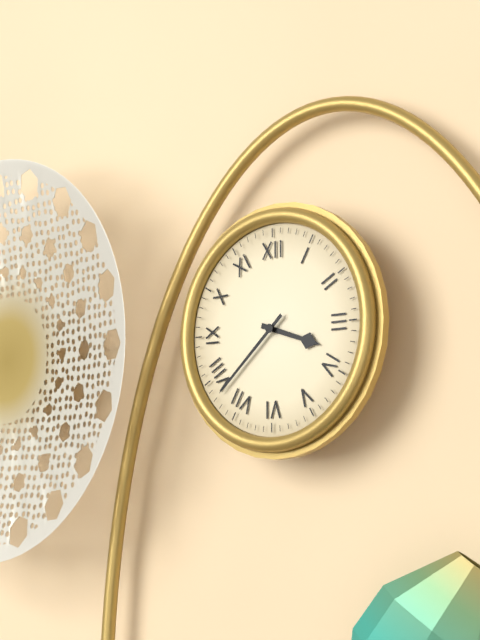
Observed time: 3:38
